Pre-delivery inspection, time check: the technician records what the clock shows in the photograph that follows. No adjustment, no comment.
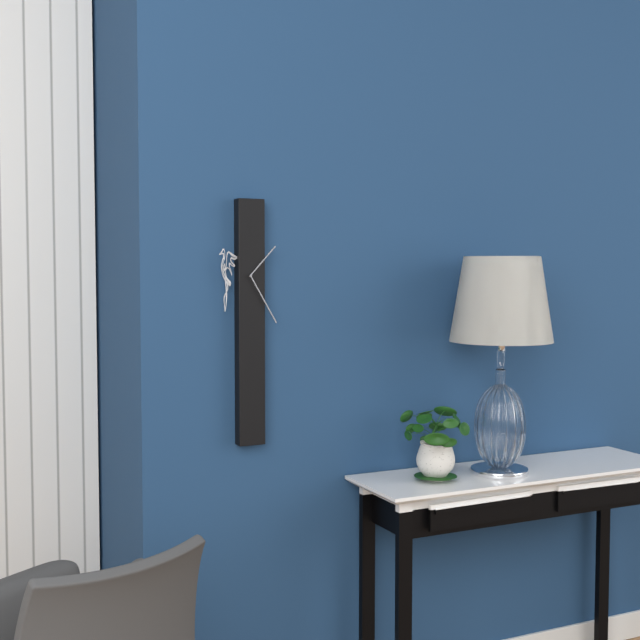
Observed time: 1:25
